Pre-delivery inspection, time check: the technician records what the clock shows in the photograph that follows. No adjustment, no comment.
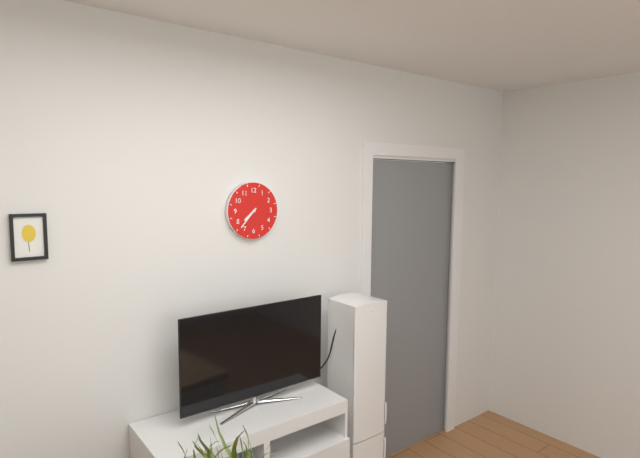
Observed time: 7:37
